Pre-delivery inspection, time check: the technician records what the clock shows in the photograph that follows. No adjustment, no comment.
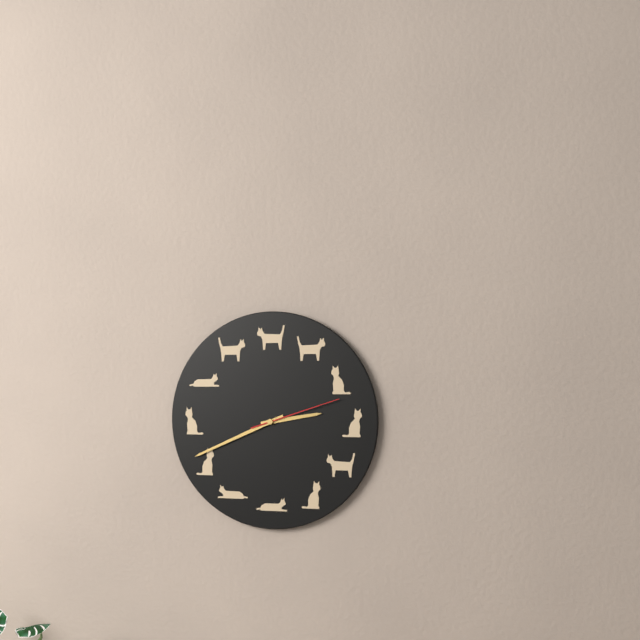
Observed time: 2:41:12
